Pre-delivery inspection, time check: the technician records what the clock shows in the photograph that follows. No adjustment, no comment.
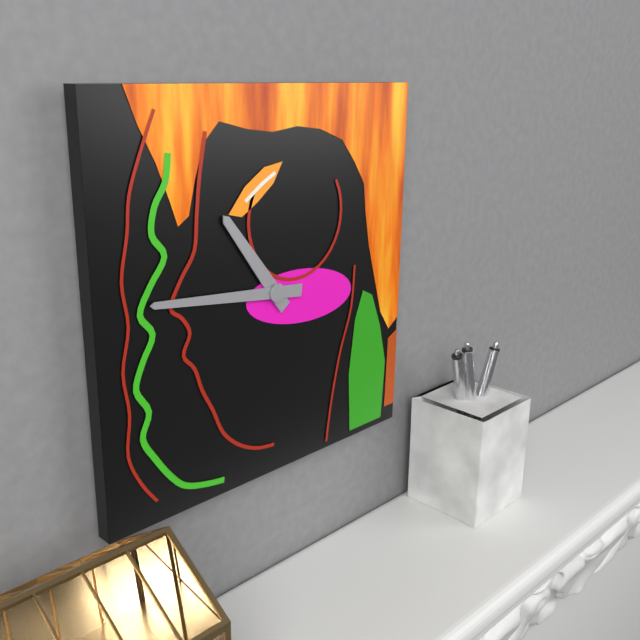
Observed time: 10:46
